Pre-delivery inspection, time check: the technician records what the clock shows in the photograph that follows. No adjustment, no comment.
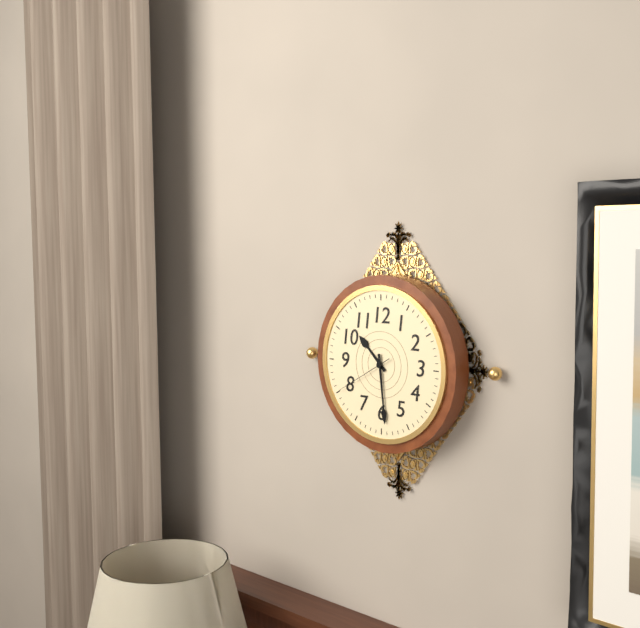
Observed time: 10:29:40
